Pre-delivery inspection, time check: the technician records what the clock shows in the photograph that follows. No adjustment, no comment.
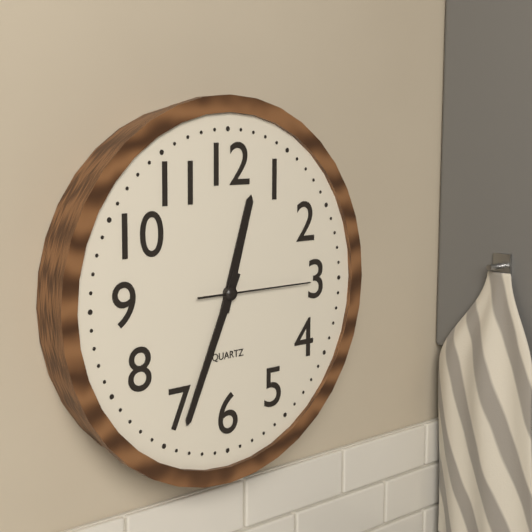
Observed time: 12:34:15
